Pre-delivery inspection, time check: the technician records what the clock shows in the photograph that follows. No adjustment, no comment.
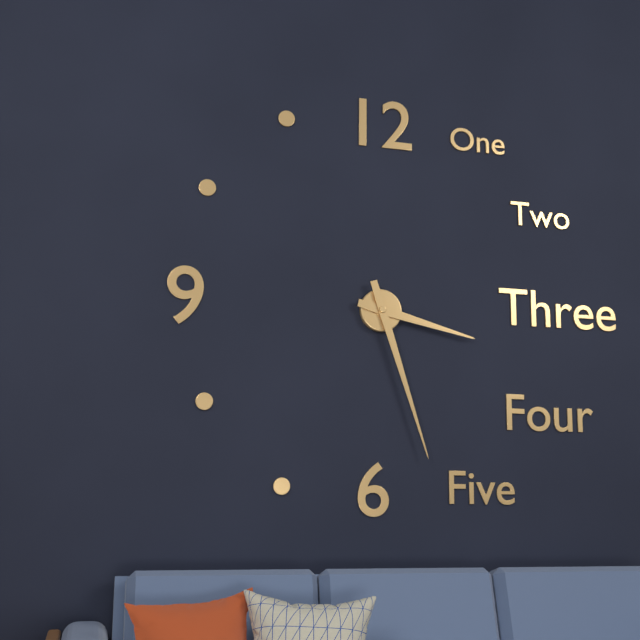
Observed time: 3:27
